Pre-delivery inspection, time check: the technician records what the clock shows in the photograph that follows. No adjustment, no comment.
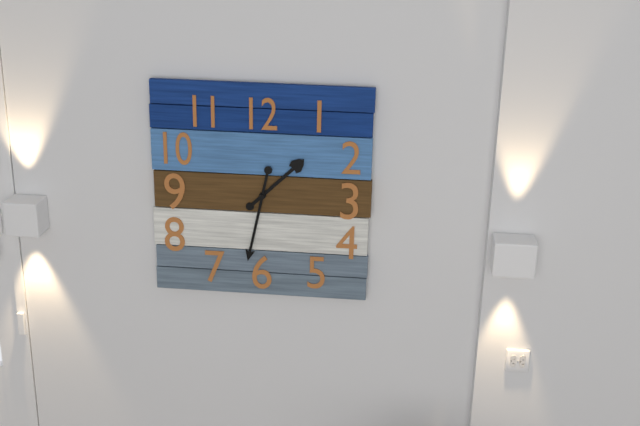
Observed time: 1:32
